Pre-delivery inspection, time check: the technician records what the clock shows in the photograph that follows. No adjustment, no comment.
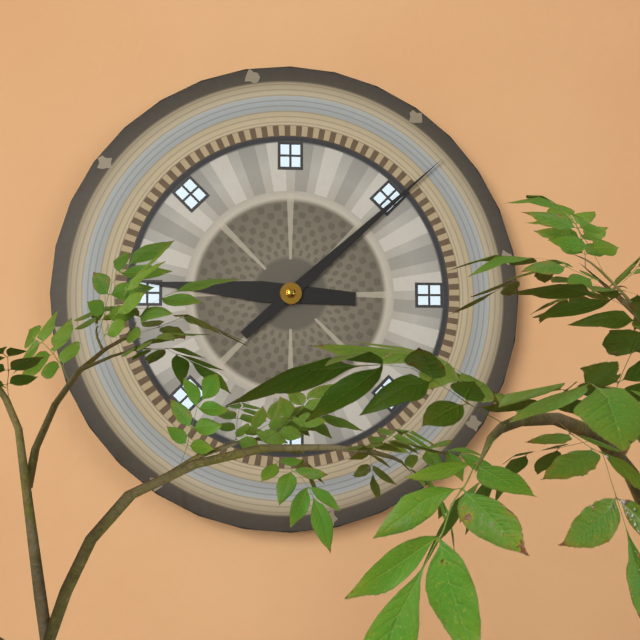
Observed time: 9:08
